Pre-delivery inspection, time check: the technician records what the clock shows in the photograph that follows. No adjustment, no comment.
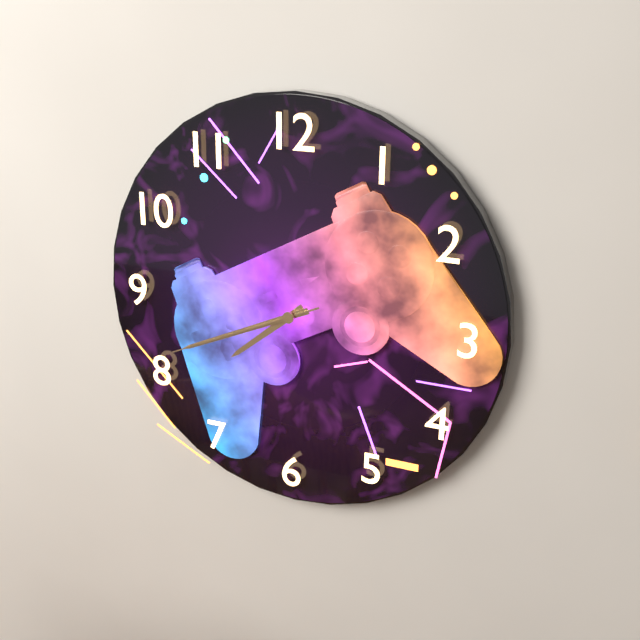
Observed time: 7:41:41
